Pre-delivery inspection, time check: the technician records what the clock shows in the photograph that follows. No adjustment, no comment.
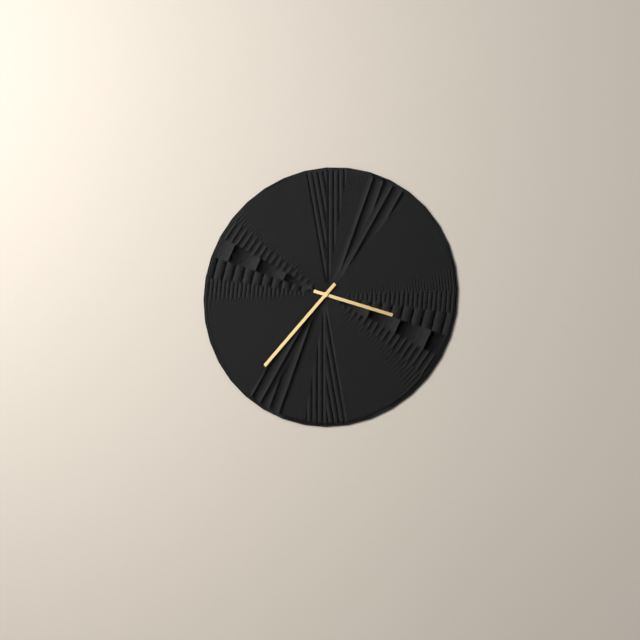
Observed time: 3:37
